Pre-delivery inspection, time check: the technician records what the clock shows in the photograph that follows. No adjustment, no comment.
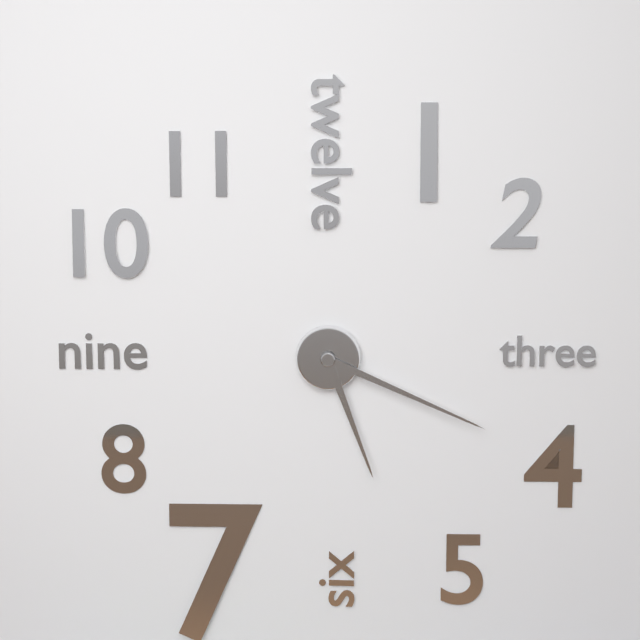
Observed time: 5:19
